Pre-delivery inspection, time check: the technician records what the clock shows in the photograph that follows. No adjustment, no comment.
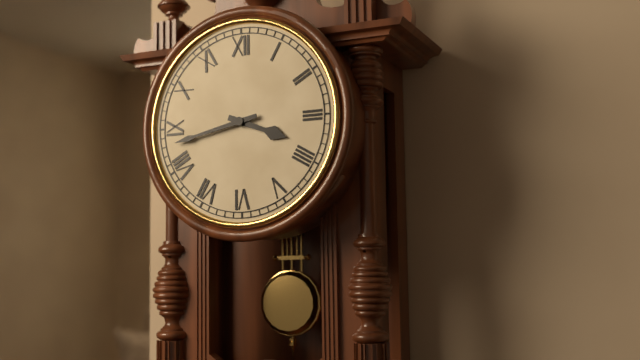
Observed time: 3:43
